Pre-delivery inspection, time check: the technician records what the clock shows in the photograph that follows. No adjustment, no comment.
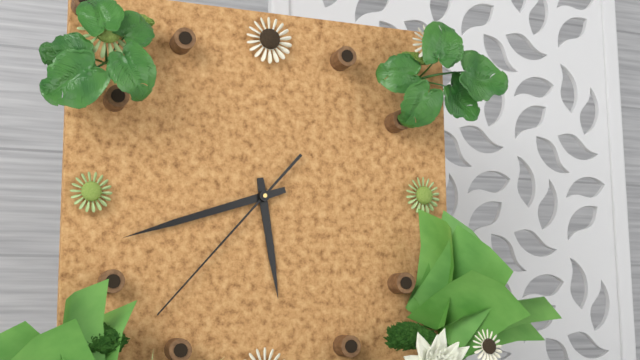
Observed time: 5:42:37
